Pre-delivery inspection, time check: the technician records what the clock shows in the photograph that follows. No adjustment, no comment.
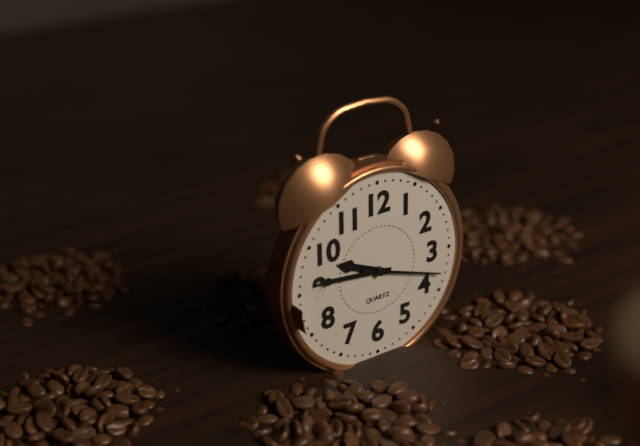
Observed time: 9:46:18
